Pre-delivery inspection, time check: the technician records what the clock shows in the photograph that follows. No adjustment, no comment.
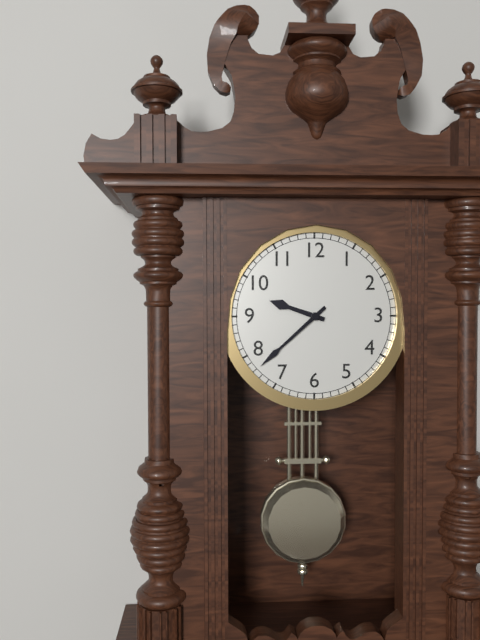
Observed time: 9:38
